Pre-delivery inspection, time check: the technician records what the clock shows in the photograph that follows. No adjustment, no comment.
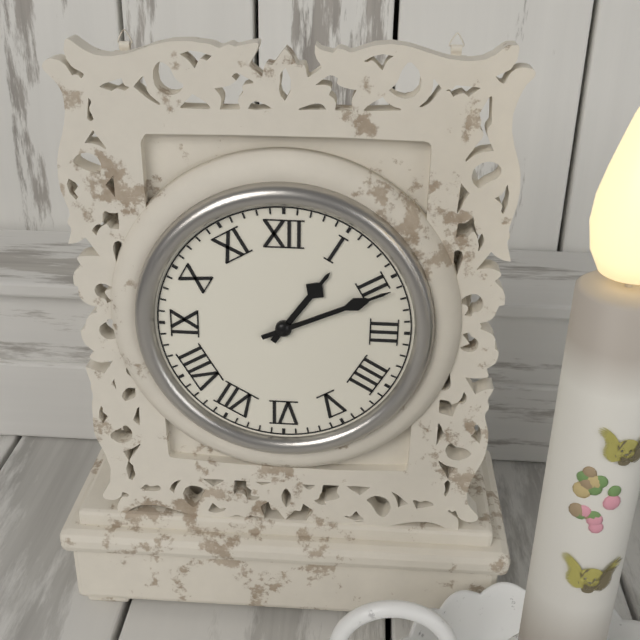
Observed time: 1:11
